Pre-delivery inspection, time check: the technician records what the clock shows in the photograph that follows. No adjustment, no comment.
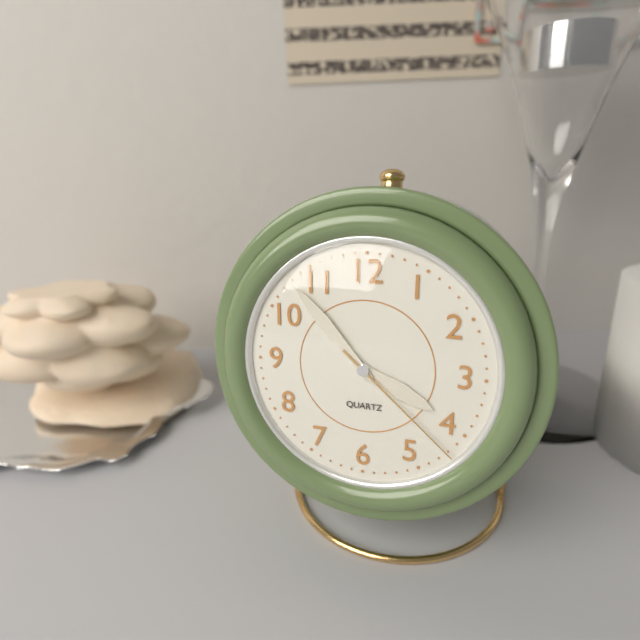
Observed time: 3:53:22
